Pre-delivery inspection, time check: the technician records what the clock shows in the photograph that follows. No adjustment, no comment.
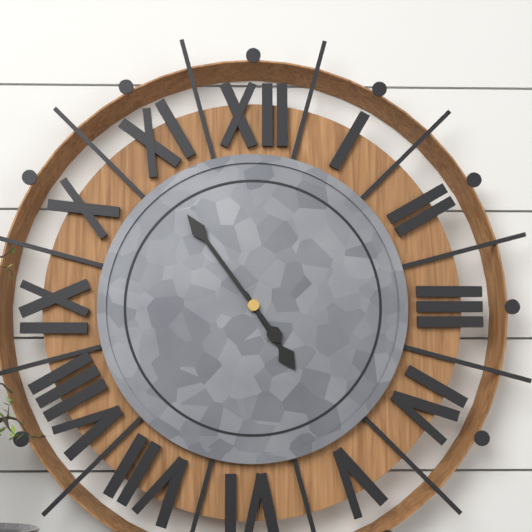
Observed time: 4:54
